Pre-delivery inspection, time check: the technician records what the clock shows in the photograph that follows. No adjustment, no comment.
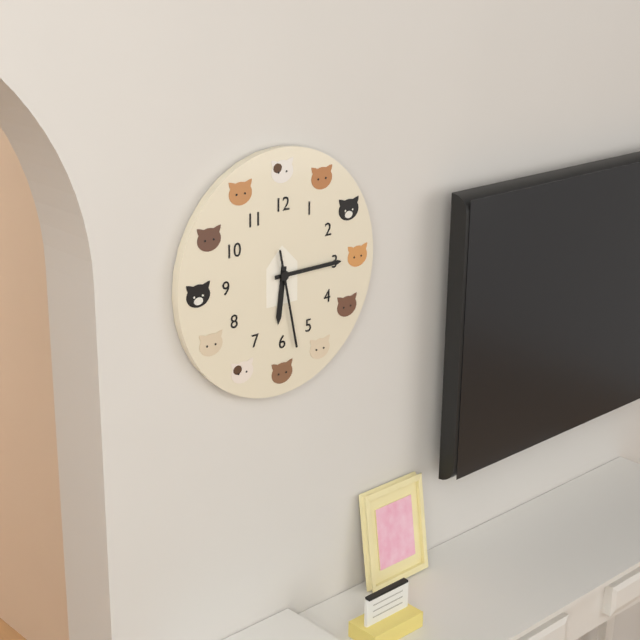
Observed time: 6:15:28
